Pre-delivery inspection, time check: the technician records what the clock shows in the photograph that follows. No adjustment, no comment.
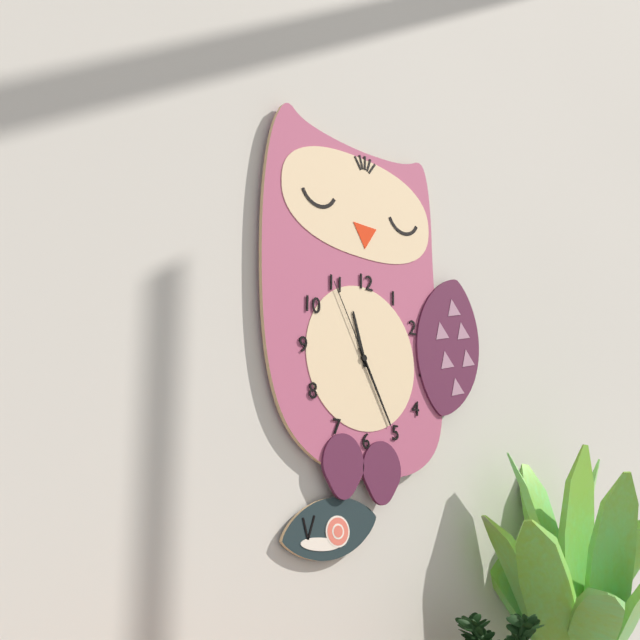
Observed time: 11:25:55
